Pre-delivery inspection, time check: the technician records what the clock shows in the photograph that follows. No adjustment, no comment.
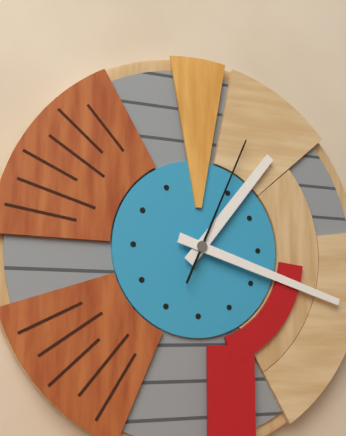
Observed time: 1:18:04
